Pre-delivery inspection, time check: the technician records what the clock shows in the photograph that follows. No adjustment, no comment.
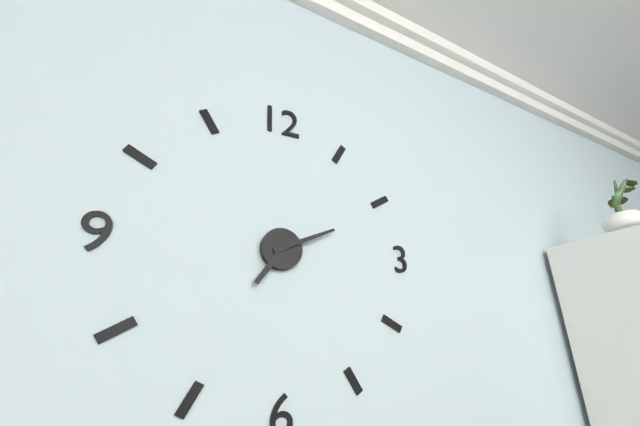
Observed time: 7:11
